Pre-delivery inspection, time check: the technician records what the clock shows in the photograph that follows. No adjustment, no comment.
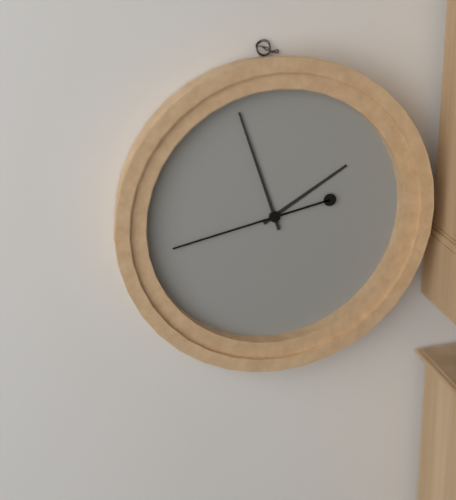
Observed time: 1:57:43
